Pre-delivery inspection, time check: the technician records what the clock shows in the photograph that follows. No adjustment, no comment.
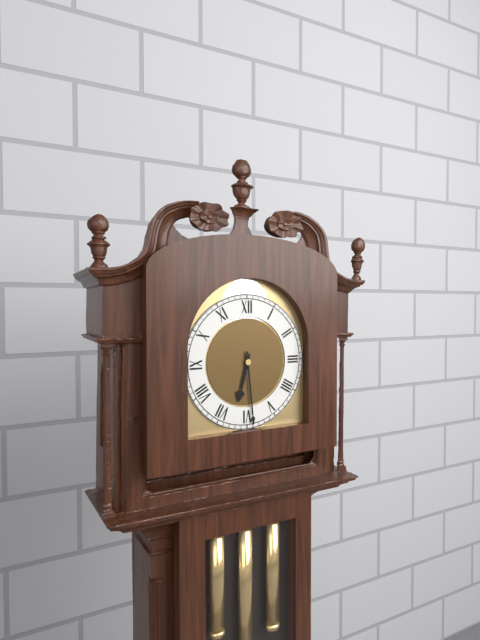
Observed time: 6:29
